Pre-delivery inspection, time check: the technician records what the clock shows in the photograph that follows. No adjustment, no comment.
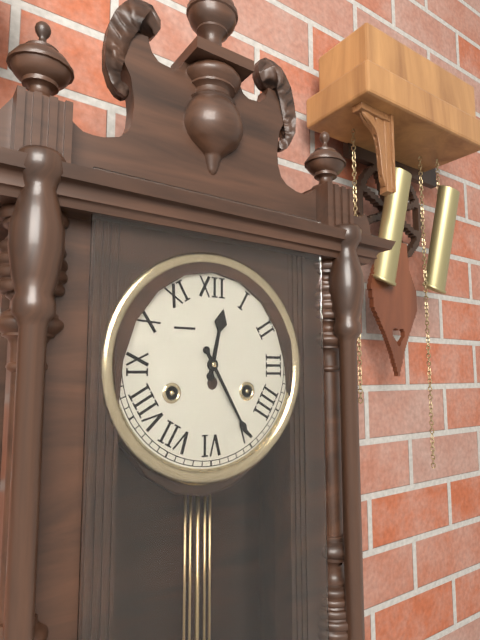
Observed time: 12:25
